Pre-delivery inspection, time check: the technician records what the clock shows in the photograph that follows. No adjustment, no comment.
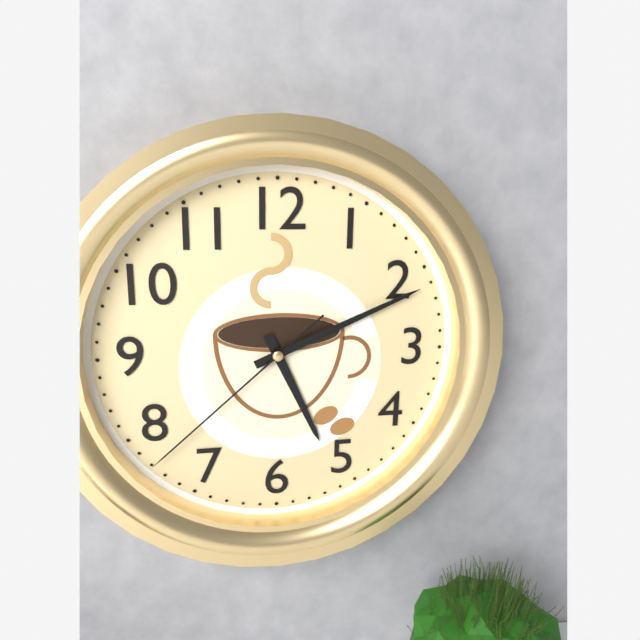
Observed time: 5:11:38
